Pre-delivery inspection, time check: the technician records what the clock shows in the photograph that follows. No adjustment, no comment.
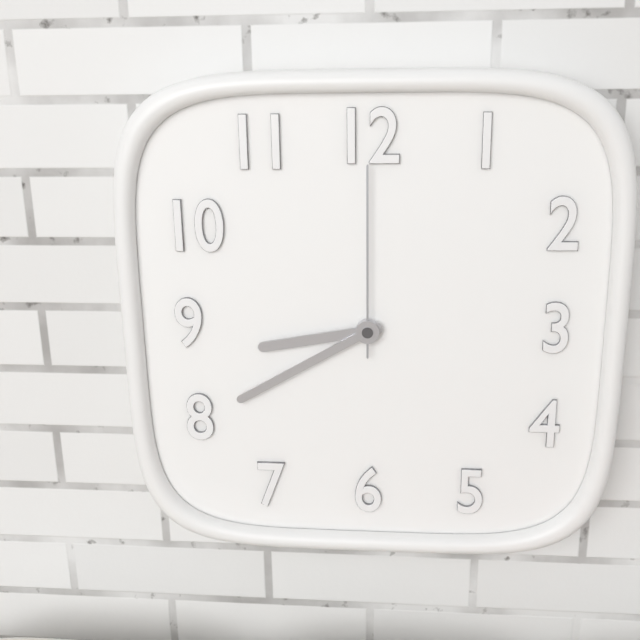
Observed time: 8:40:00
